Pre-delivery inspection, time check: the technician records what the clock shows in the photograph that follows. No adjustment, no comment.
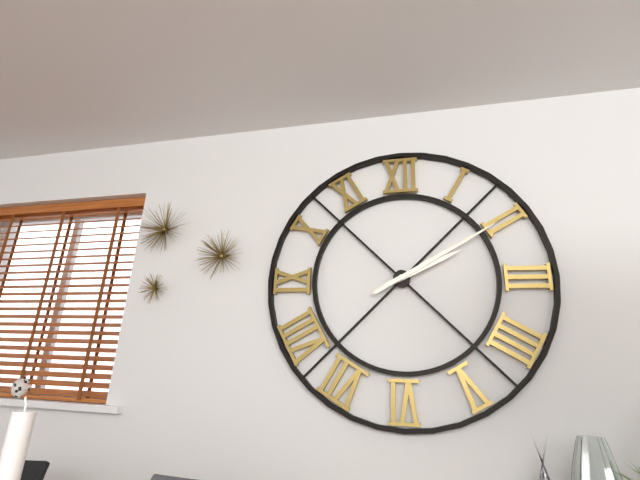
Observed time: 2:10
